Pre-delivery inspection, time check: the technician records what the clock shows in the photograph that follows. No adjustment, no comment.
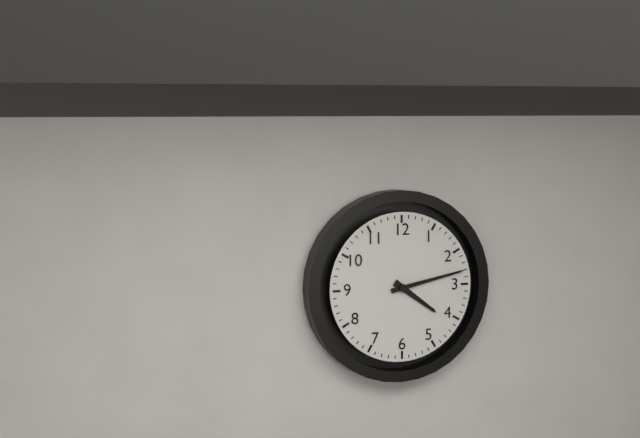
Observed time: 4:13
